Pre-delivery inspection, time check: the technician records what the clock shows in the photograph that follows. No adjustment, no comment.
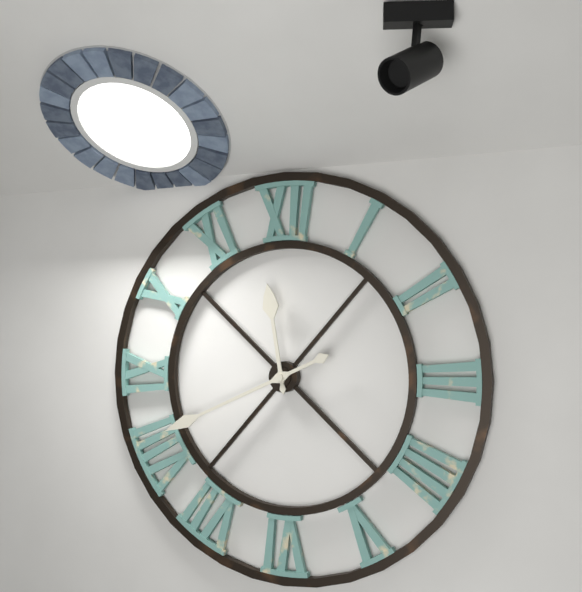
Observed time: 11:41
